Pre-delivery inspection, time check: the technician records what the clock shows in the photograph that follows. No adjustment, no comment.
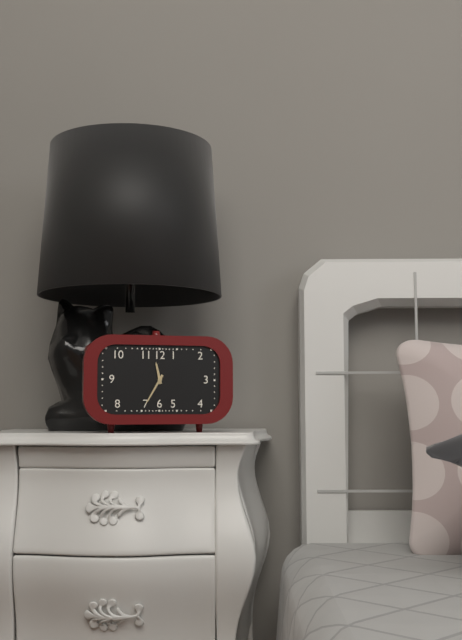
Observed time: 11:35
